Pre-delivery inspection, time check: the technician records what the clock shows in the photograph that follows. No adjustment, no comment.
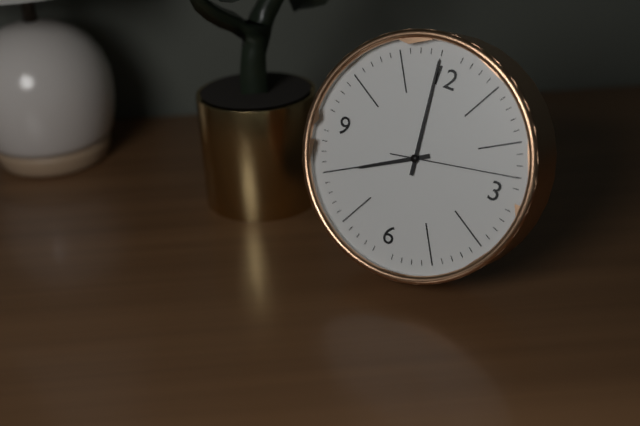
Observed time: 7:59:13
